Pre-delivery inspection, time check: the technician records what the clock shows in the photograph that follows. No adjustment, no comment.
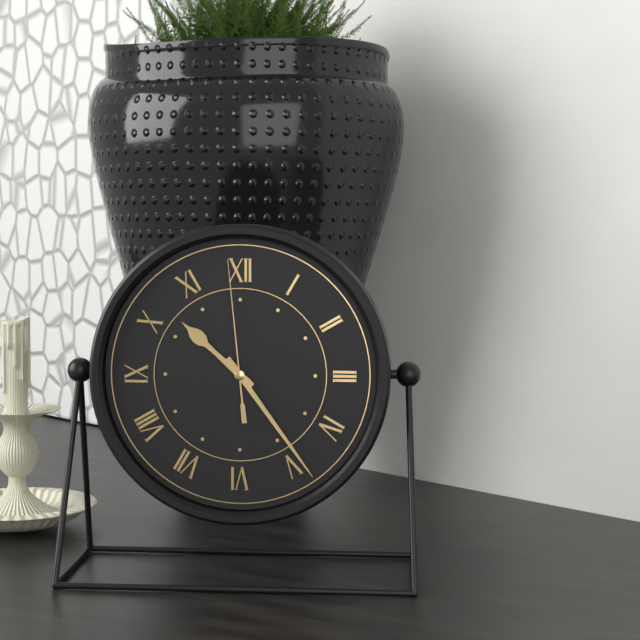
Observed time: 10:24:59
